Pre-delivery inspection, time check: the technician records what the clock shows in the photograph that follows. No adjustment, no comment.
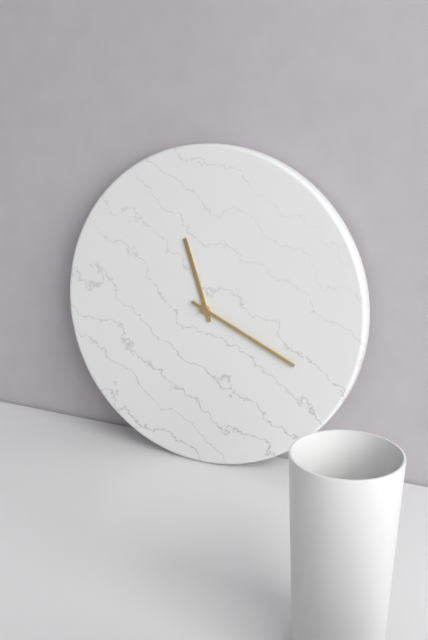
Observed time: 11:19
